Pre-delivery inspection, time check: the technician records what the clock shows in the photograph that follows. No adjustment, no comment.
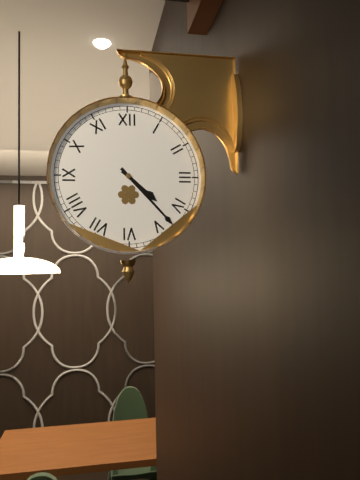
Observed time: 4:23
